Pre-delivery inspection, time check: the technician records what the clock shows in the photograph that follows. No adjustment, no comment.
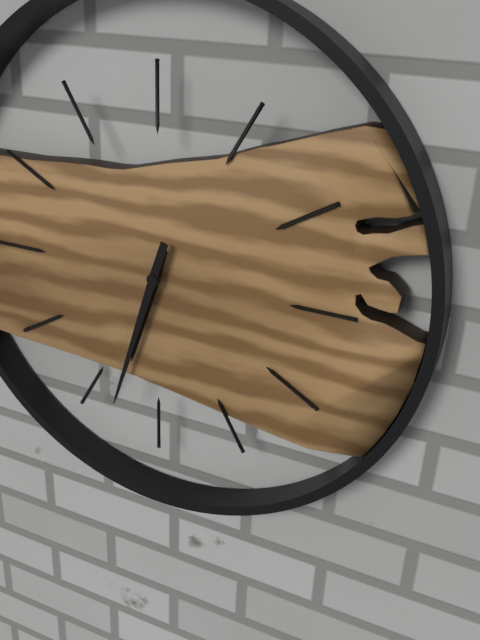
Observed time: 6:33
